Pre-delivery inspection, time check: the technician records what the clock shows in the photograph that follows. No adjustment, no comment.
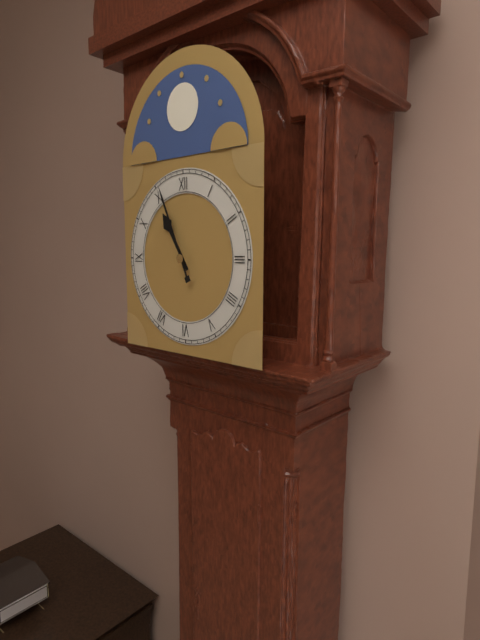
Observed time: 10:56
